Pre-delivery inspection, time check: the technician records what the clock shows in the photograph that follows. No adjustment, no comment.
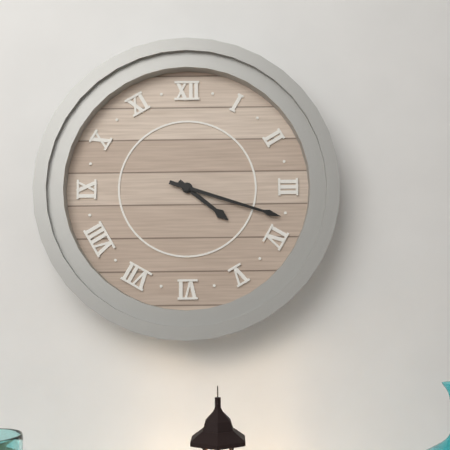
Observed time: 4:18
